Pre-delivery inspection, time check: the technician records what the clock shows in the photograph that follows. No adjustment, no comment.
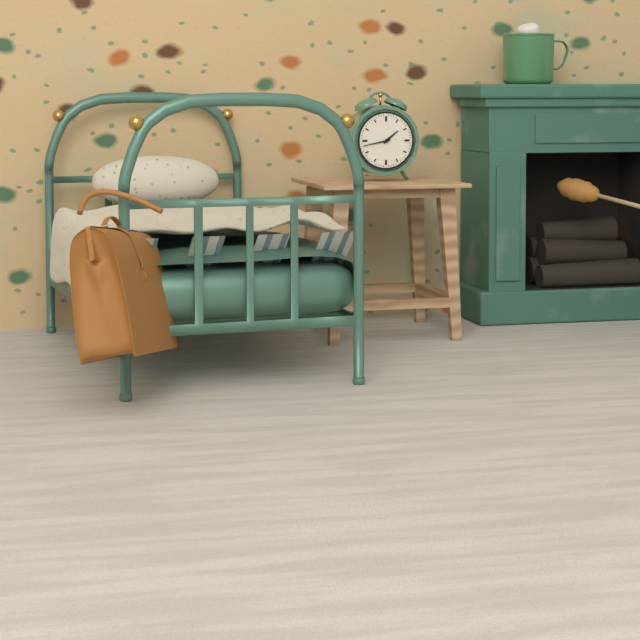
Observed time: 1:43
